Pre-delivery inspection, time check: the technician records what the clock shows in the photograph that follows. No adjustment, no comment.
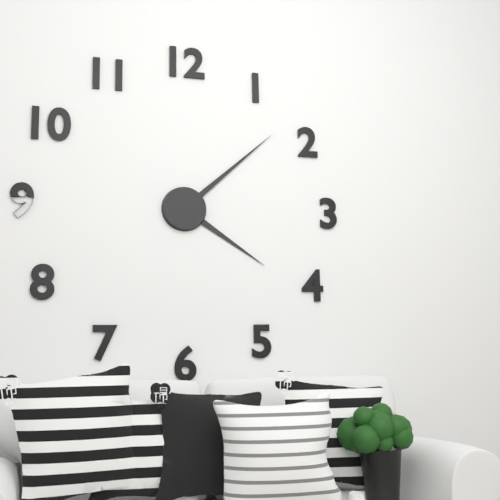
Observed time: 4:08
